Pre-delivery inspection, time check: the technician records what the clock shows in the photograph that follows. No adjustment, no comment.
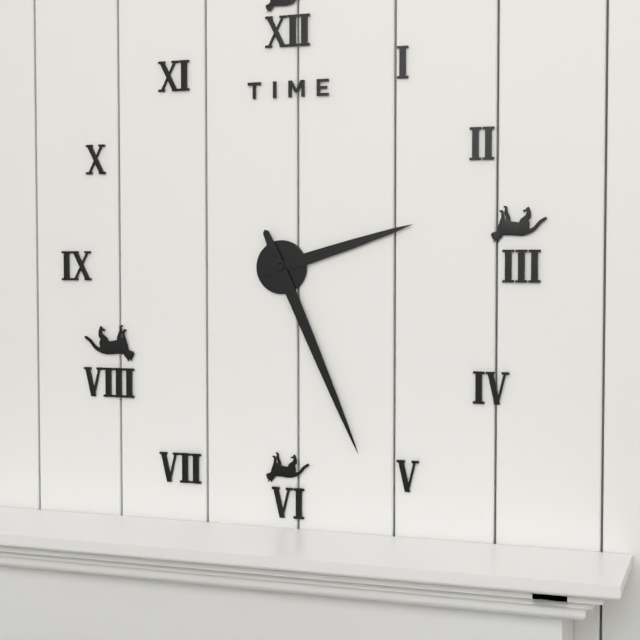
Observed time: 2:26
